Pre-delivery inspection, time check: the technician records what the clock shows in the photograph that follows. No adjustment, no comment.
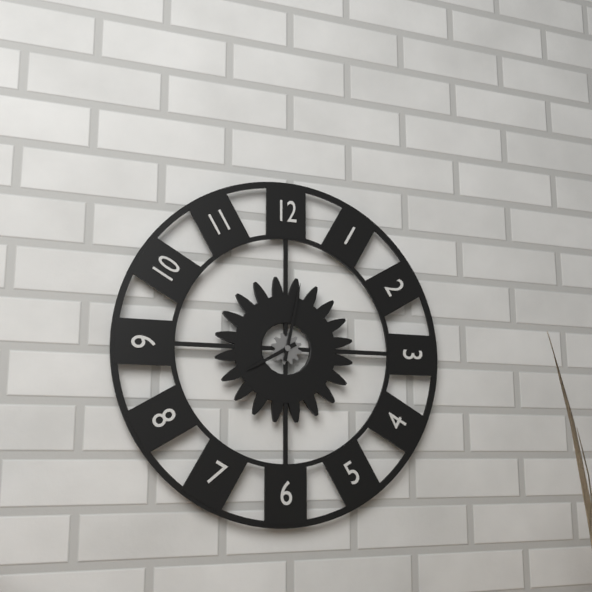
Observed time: 8:02
